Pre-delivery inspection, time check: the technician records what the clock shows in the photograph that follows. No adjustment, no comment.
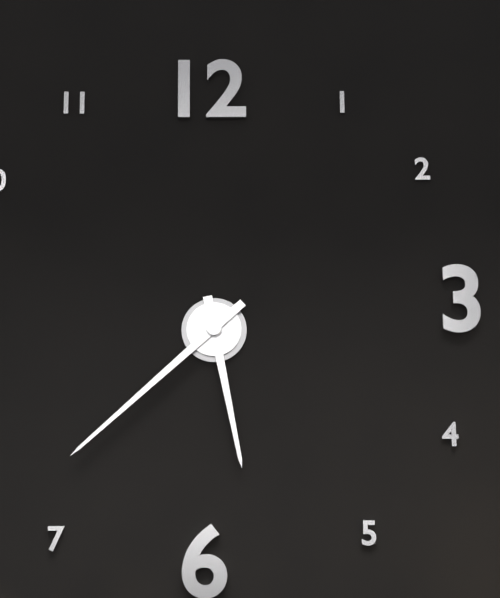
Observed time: 5:38
